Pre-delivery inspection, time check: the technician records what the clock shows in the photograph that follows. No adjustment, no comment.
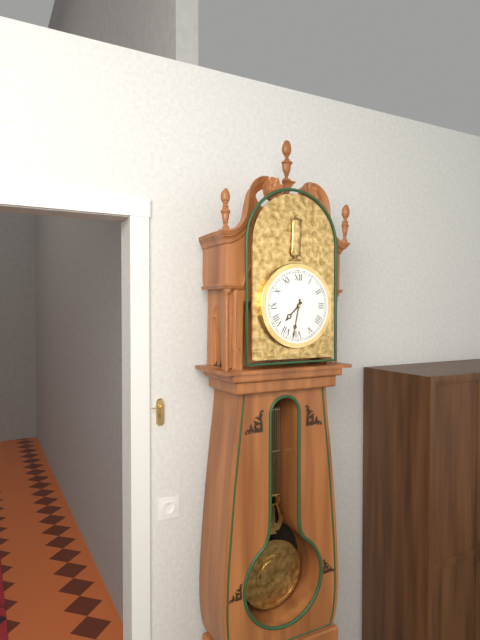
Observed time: 7:32
